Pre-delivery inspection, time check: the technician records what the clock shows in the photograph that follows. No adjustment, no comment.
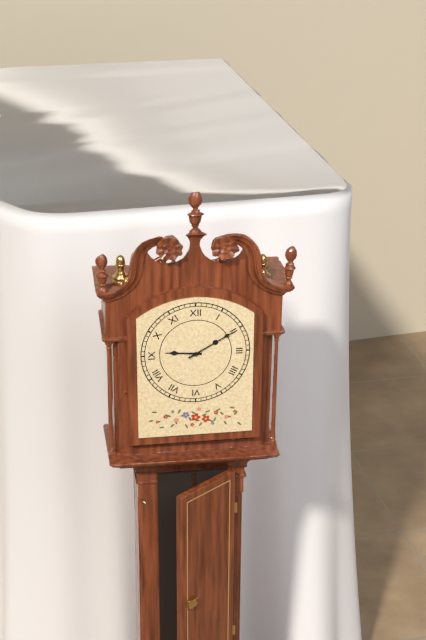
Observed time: 9:10
